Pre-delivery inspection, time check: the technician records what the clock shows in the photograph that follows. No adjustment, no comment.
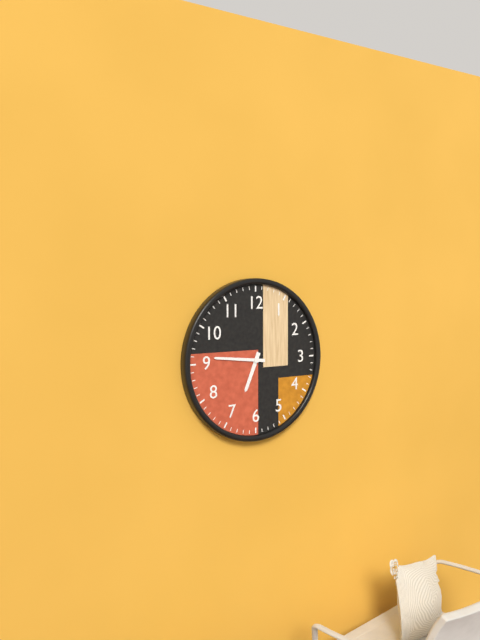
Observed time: 6:46
